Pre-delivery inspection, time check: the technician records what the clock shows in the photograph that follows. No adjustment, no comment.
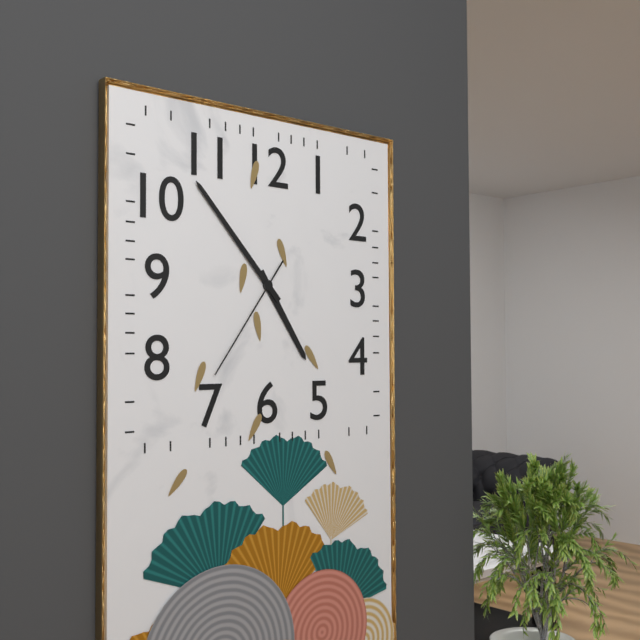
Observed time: 4:53:36
